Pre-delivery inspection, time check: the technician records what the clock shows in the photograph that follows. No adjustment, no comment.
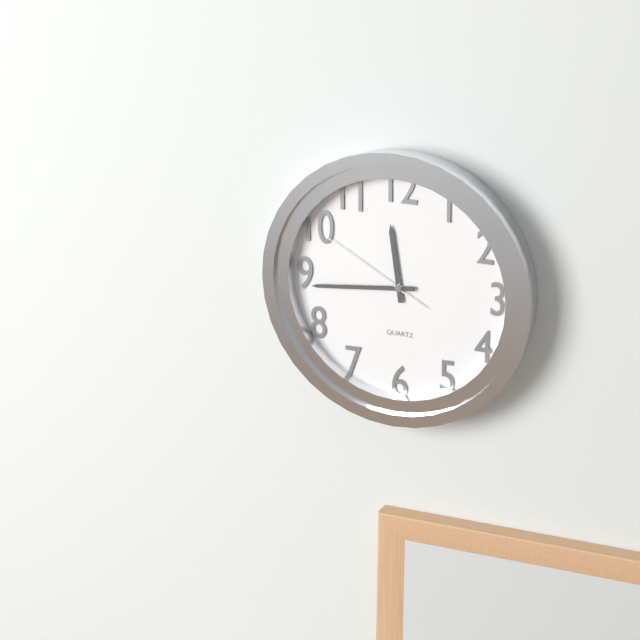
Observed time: 11:44:50
